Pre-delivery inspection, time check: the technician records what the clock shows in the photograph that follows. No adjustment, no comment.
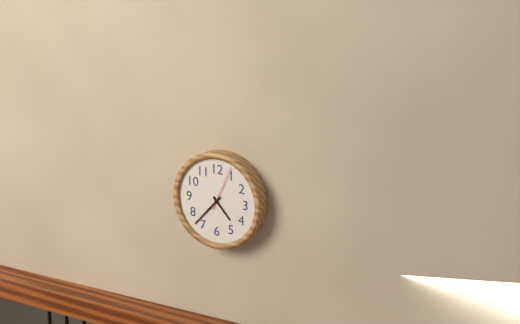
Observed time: 4:37
